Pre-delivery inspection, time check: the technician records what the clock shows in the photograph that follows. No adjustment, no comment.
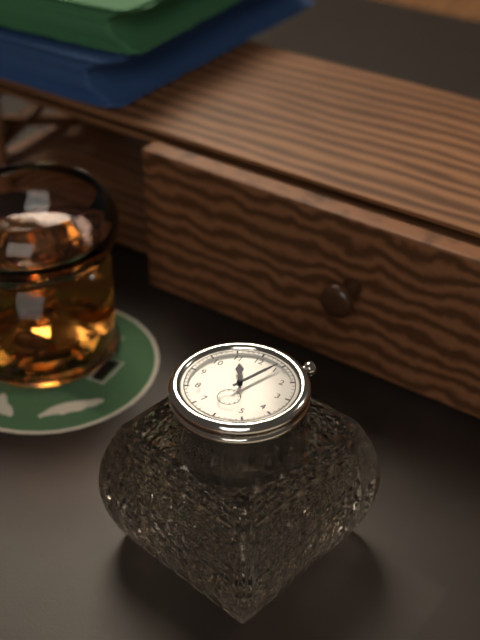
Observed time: 11:04
